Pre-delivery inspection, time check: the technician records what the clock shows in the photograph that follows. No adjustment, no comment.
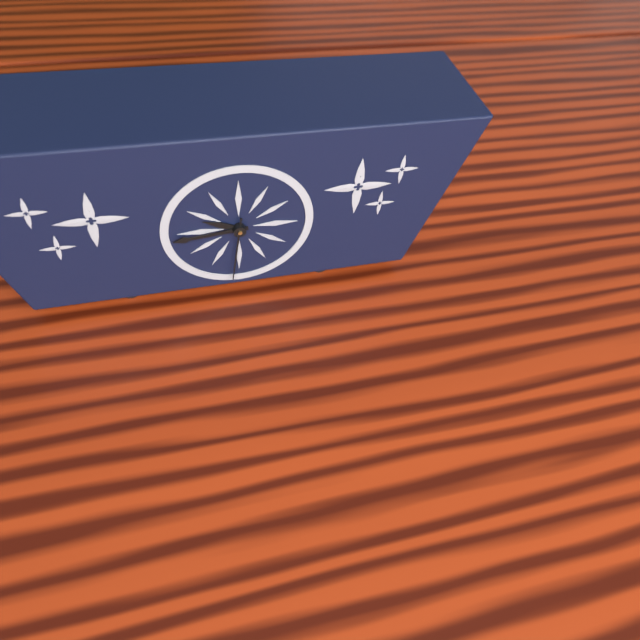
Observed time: 9:44:31
